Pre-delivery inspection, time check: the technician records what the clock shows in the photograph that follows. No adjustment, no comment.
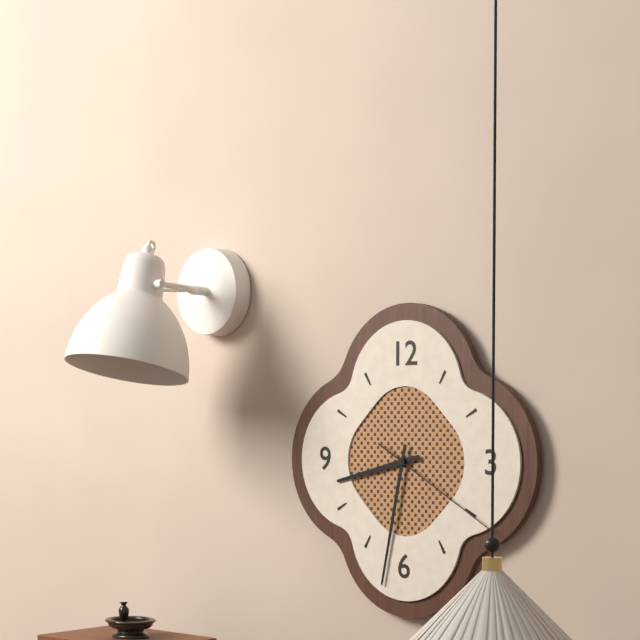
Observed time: 8:32:20
